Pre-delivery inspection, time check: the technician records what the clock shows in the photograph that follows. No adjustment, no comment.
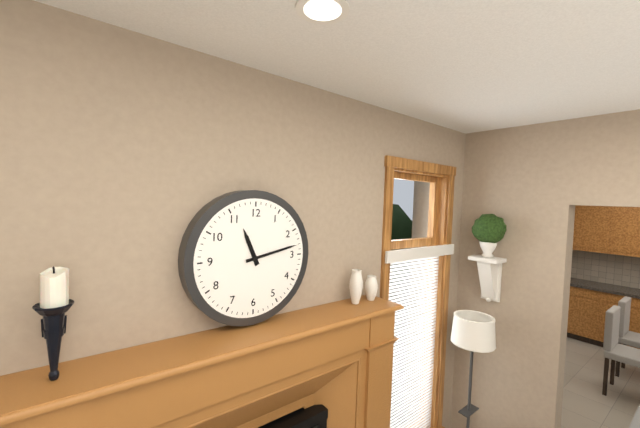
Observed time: 11:13
